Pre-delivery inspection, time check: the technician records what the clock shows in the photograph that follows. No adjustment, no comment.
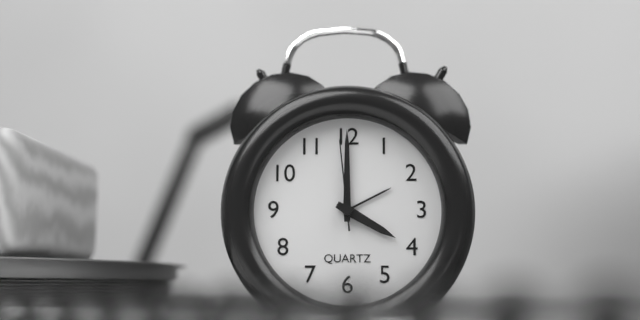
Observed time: 4:00:59
